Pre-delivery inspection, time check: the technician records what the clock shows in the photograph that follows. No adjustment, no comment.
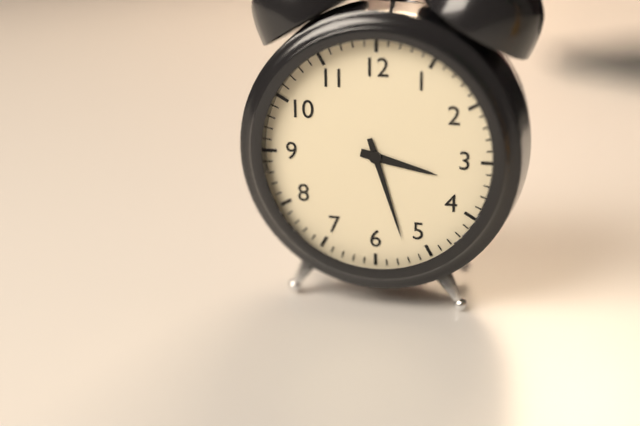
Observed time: 3:27
